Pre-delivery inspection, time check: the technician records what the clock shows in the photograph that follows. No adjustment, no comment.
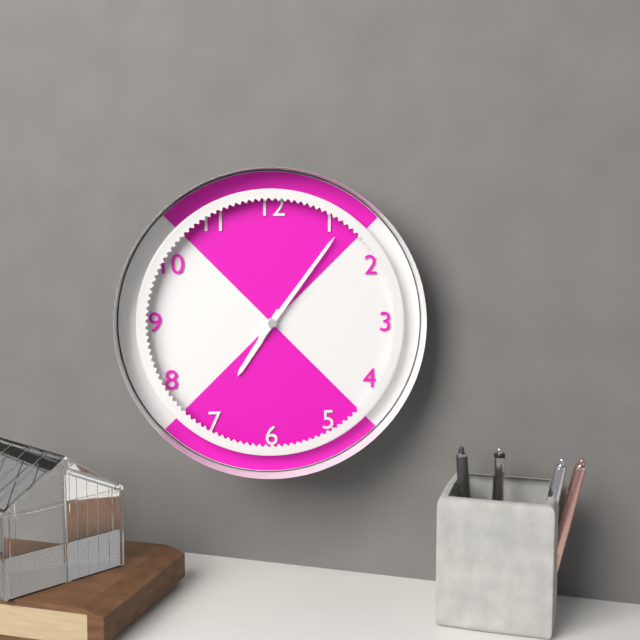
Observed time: 7:06
